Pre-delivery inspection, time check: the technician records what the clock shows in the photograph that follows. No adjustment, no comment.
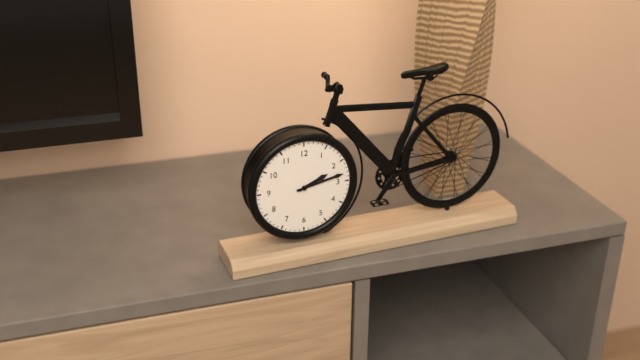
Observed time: 2:13
